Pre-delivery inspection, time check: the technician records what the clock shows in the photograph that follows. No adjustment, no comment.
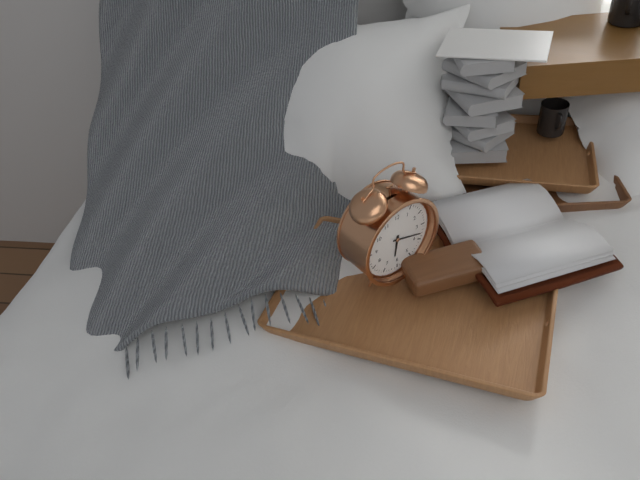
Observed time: 6:18
